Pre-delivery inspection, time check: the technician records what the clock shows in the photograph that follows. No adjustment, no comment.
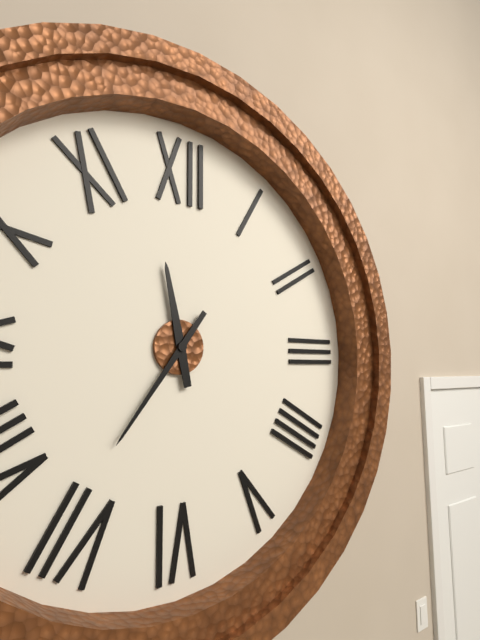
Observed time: 11:36
